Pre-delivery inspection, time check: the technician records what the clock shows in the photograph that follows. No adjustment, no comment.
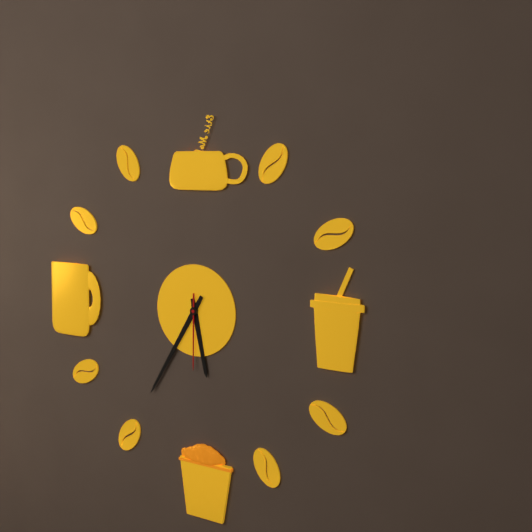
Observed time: 5:35:30
